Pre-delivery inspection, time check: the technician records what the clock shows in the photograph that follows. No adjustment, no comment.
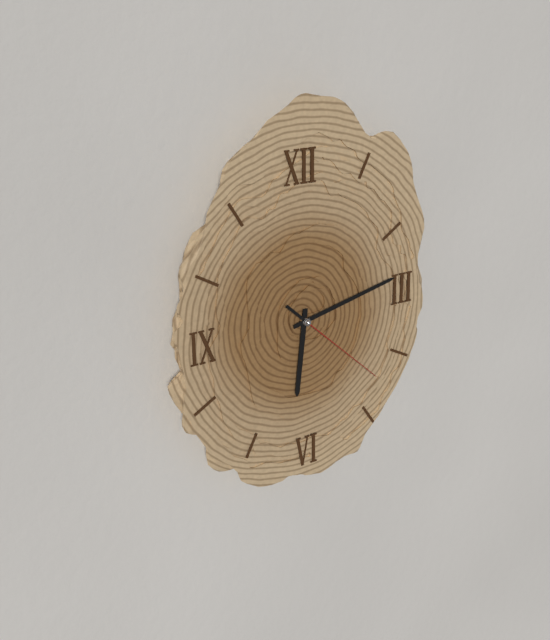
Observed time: 6:13:22
